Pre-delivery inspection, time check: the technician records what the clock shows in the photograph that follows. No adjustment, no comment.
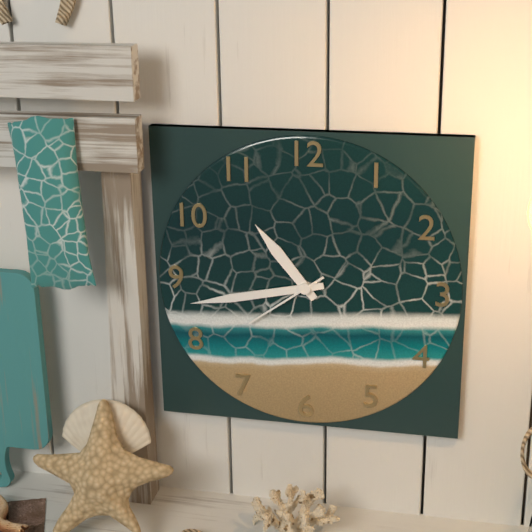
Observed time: 10:43:39
